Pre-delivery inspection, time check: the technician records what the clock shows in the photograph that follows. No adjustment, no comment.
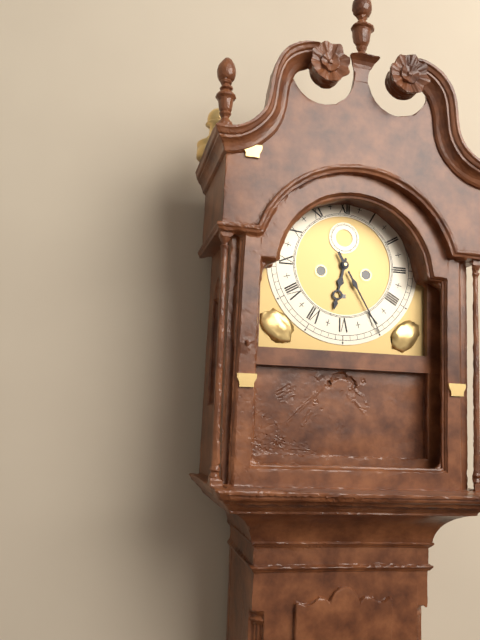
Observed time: 6:25
